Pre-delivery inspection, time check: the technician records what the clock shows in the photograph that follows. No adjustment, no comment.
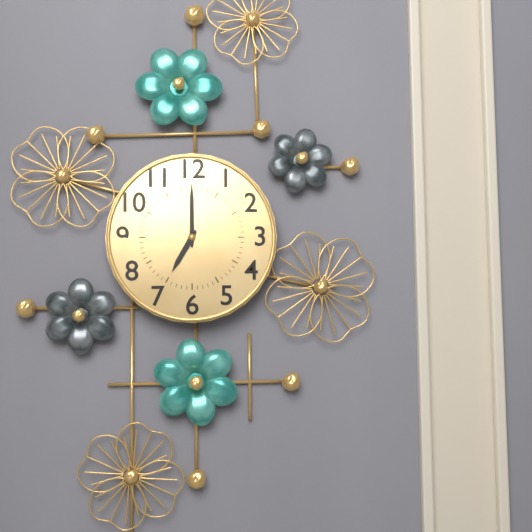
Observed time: 7:00
